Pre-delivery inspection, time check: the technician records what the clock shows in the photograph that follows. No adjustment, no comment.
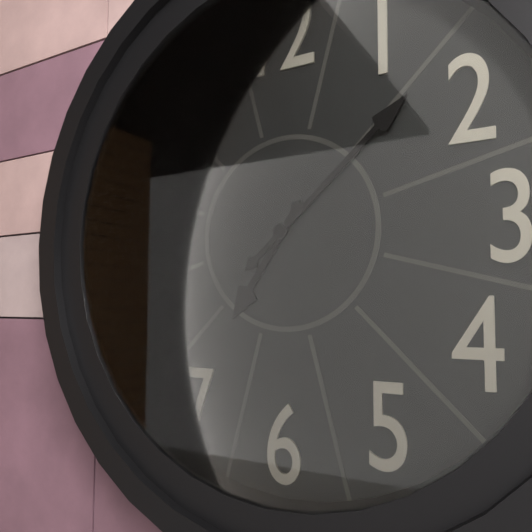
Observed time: 7:08
